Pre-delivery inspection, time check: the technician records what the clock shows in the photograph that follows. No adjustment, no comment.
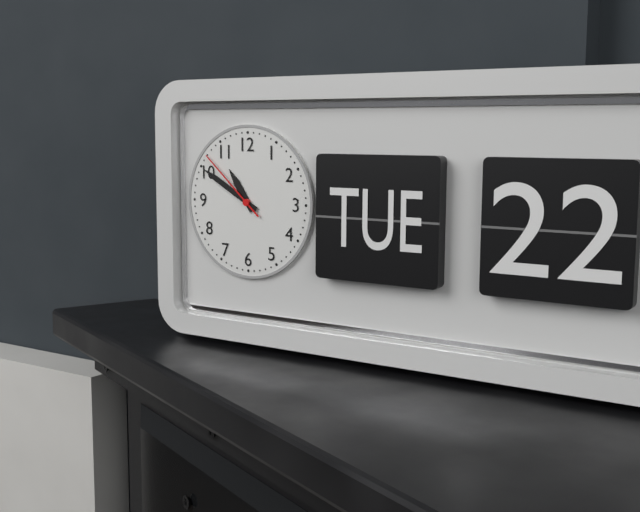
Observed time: 10:50:52
